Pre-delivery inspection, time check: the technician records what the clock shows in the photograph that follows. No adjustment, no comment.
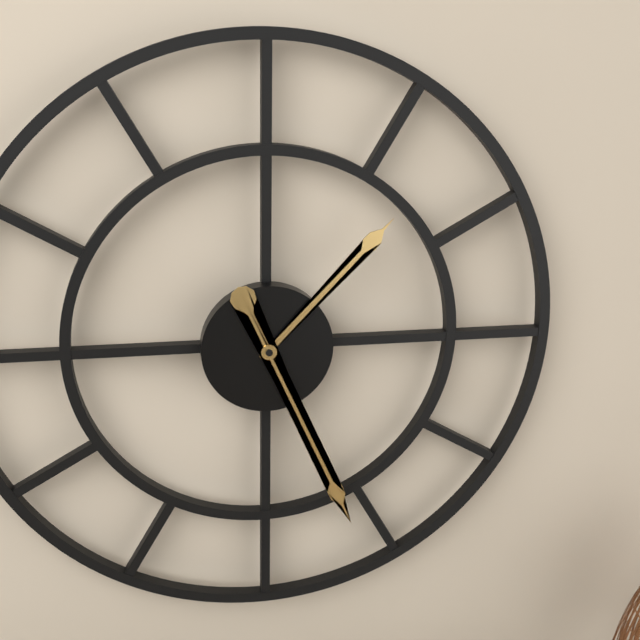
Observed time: 1:26
